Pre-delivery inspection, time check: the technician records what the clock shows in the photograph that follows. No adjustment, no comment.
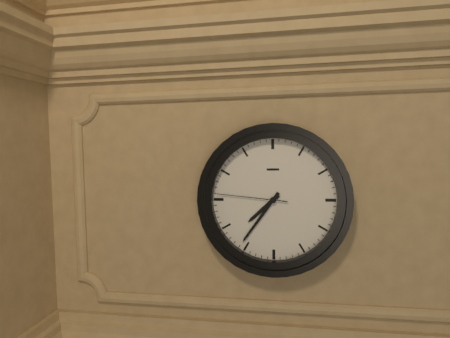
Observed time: 7:36:46
